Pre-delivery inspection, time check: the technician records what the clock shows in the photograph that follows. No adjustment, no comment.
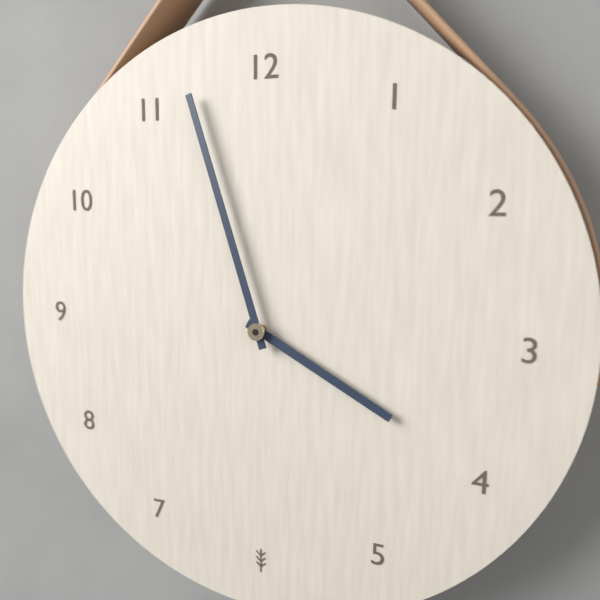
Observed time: 3:57
